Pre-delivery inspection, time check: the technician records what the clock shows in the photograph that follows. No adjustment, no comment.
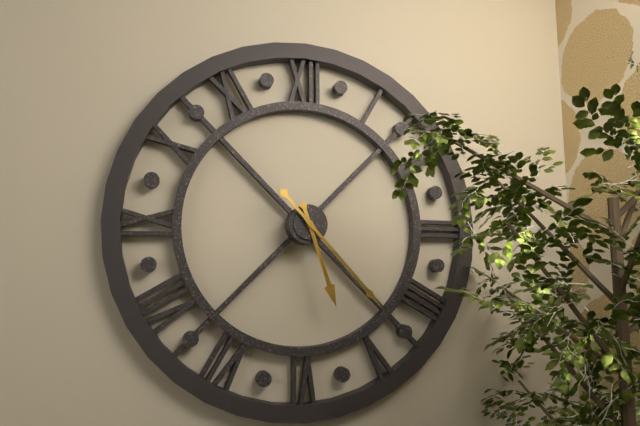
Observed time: 5:23
